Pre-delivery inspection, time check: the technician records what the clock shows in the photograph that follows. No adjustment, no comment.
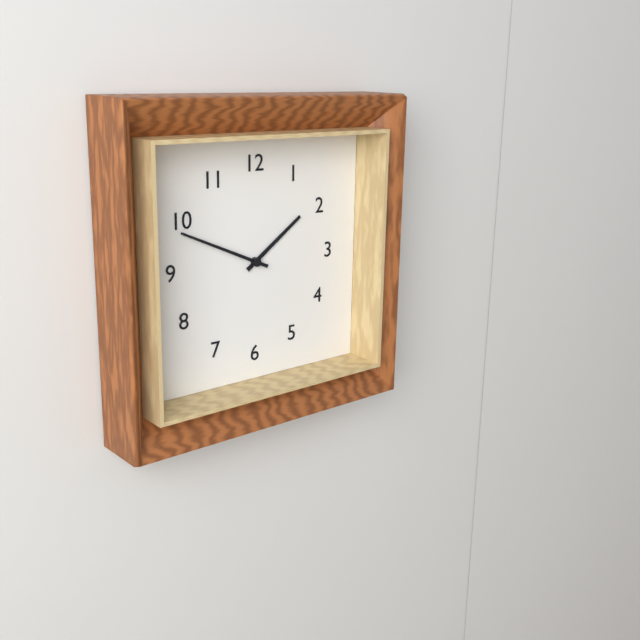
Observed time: 1:49
